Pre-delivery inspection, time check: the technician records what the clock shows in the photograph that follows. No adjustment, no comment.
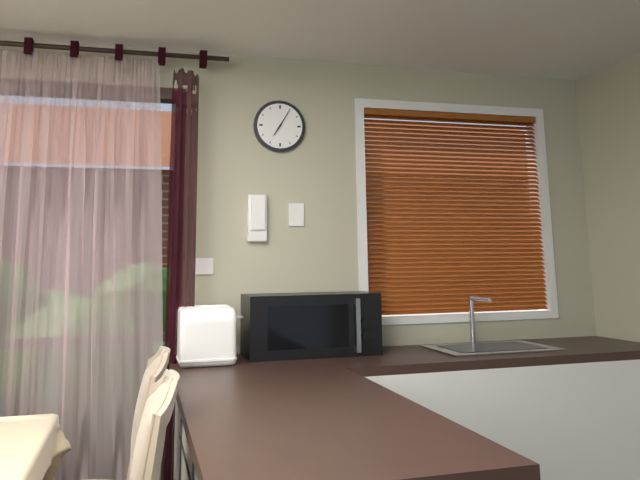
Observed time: 7:05
